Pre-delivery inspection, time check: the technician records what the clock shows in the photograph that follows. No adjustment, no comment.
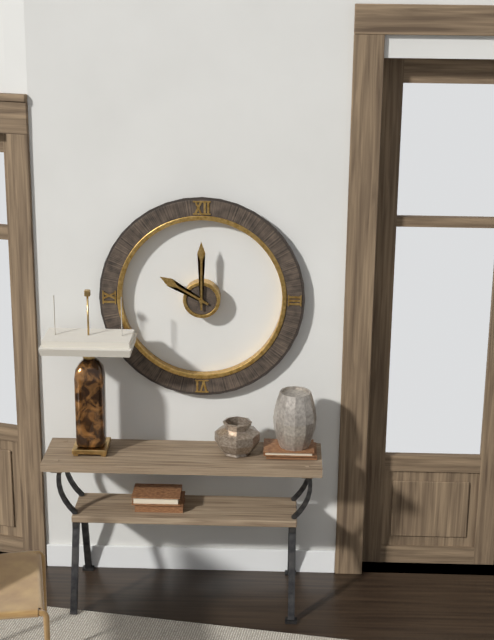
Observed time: 10:00
